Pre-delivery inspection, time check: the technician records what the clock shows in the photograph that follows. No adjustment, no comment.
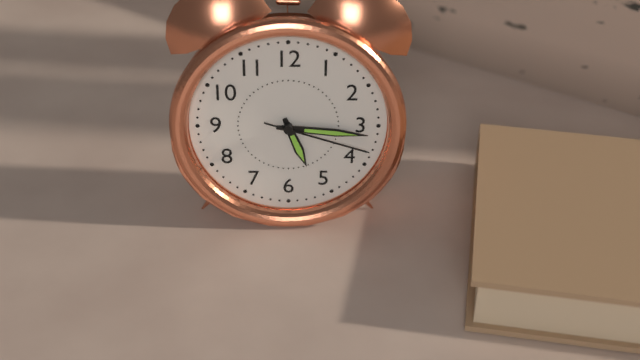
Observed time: 5:16:18
